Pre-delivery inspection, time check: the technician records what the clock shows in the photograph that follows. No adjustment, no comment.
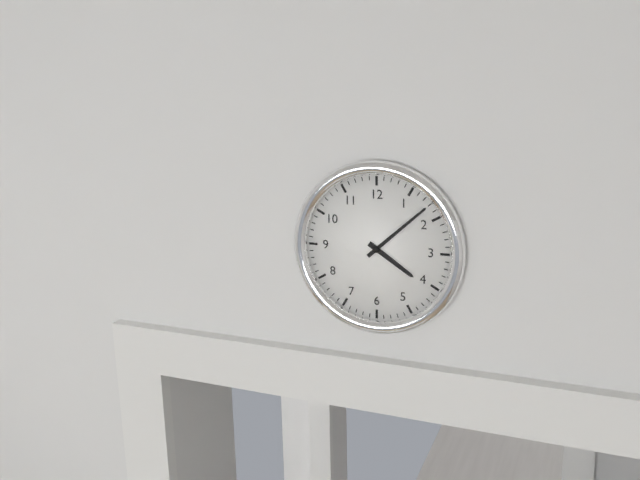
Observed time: 4:08
